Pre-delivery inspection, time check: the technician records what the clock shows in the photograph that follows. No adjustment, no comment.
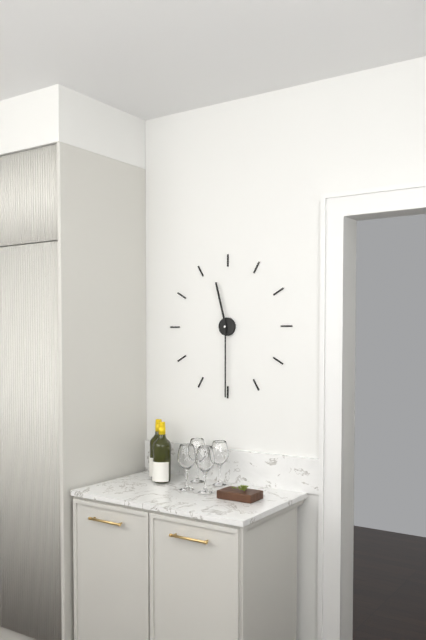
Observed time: 11:30
